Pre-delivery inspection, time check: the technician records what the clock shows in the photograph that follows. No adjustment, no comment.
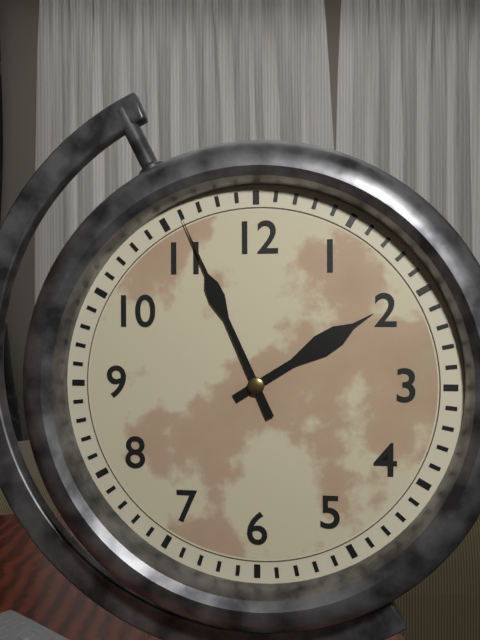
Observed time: 1:56
